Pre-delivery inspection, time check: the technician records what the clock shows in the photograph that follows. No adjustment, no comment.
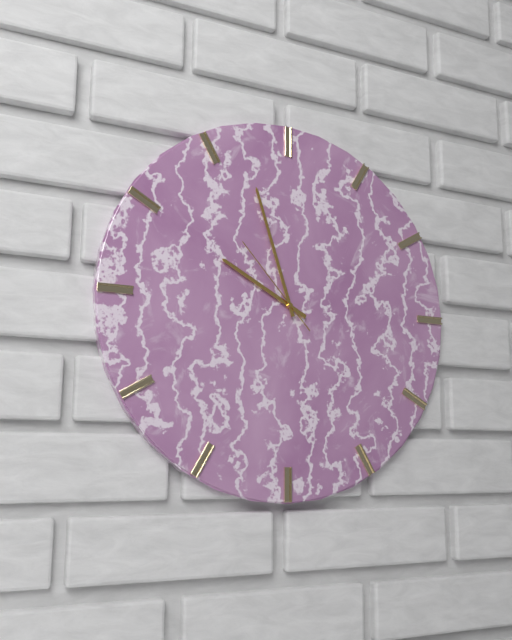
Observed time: 9:57:53
